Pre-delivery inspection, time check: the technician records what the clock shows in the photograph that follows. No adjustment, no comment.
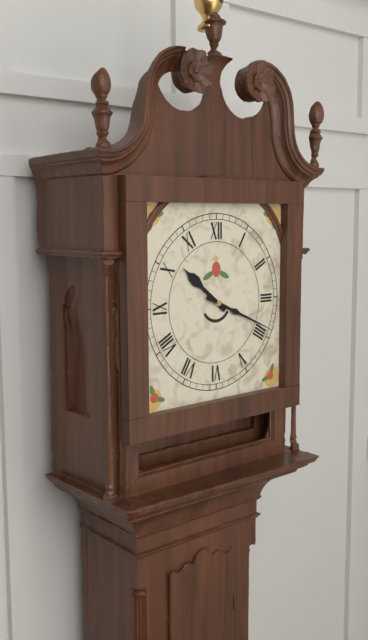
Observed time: 10:19
